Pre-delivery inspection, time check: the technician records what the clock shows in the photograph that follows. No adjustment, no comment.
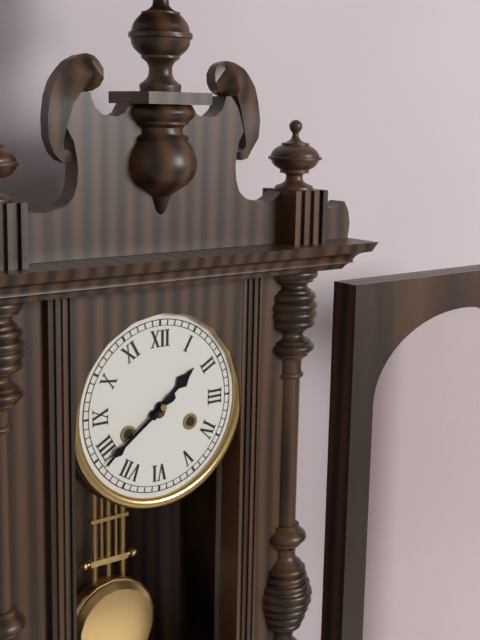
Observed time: 1:39
